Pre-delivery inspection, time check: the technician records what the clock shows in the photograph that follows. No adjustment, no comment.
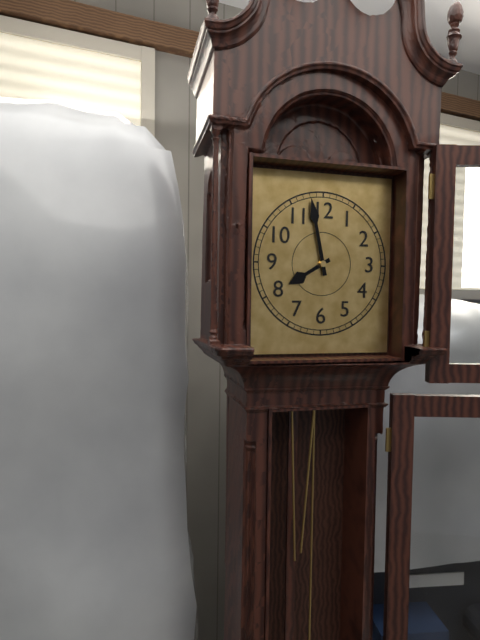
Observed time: 7:58
